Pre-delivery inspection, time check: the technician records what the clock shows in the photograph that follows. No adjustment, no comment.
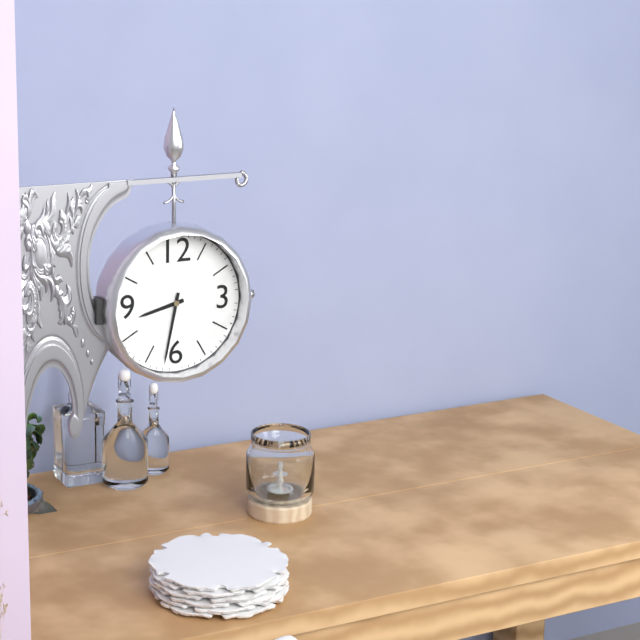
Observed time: 8:32
